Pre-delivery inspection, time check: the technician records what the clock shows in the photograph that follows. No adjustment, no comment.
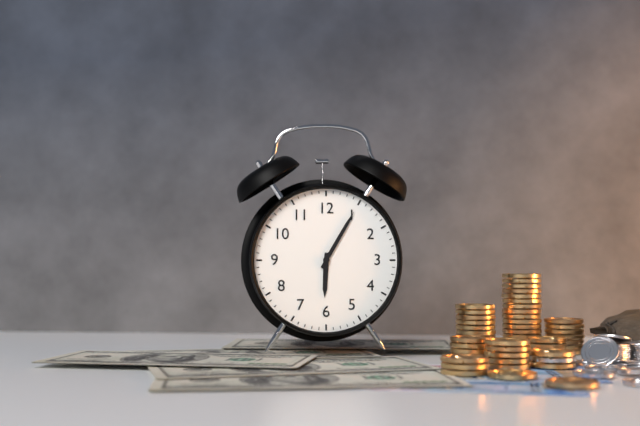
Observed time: 6:05
